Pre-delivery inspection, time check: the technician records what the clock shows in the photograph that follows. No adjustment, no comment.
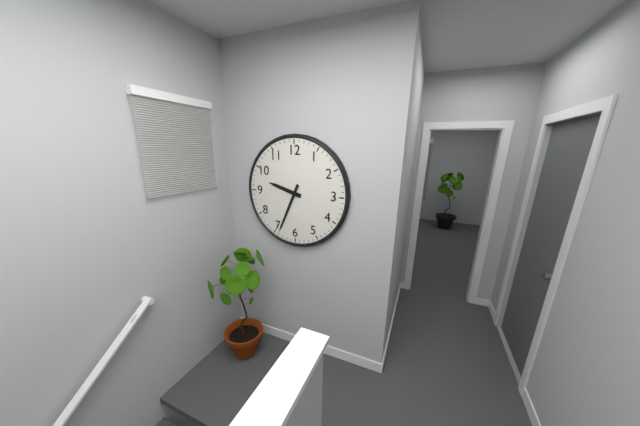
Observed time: 9:34
